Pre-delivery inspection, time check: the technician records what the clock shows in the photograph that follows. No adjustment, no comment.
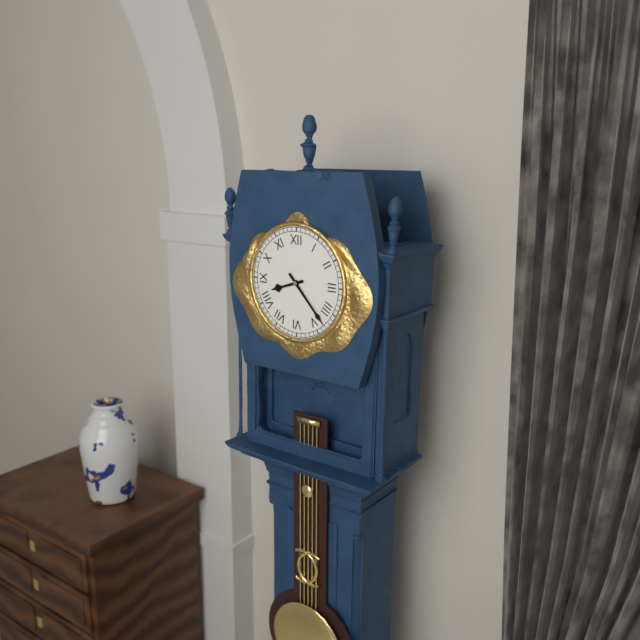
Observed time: 8:23
